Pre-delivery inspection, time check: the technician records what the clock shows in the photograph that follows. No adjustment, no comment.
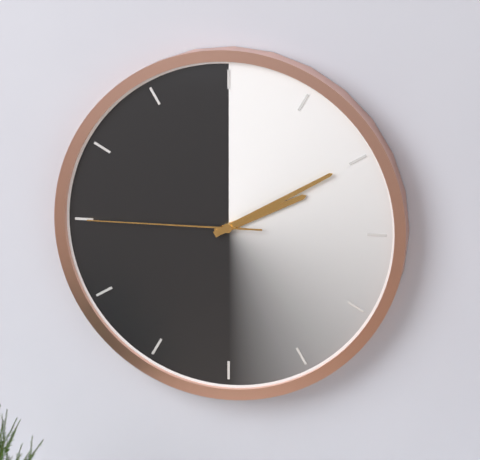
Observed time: 2:10:45
